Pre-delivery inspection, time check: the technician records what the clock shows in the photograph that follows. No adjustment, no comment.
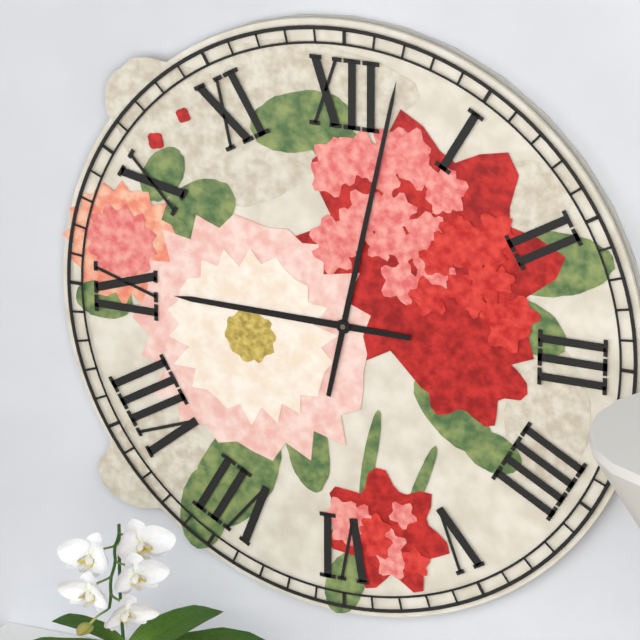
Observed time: 9:02
